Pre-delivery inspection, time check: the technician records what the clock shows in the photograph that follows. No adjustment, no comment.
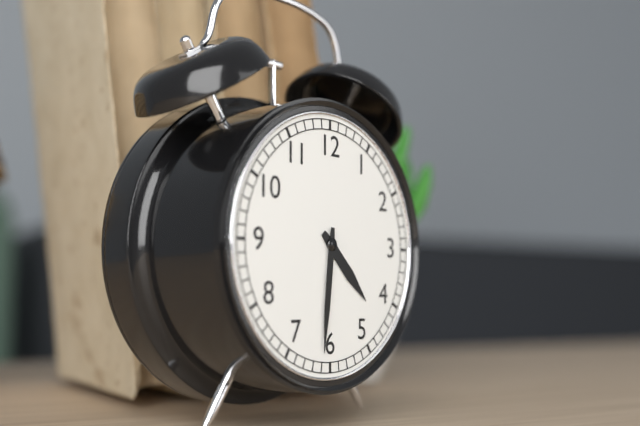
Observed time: 4:31
